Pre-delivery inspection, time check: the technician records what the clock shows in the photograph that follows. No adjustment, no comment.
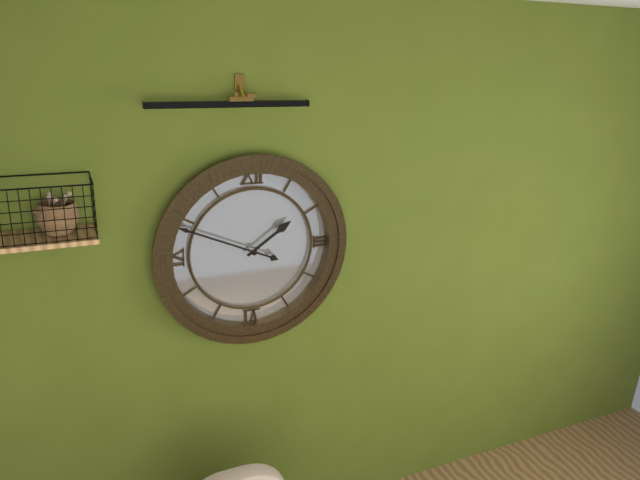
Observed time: 1:49
